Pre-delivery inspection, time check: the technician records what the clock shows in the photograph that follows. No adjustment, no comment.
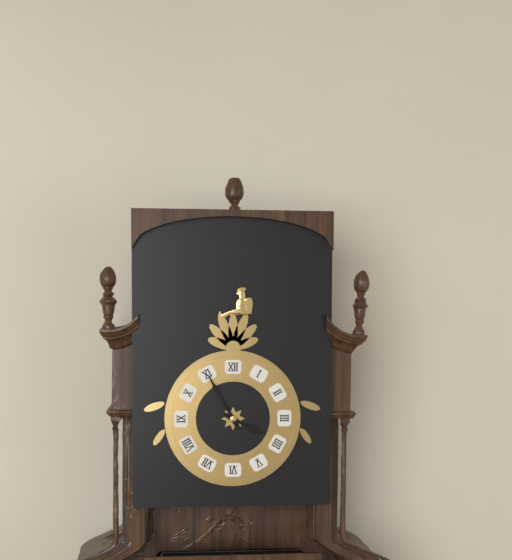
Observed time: 3:55
